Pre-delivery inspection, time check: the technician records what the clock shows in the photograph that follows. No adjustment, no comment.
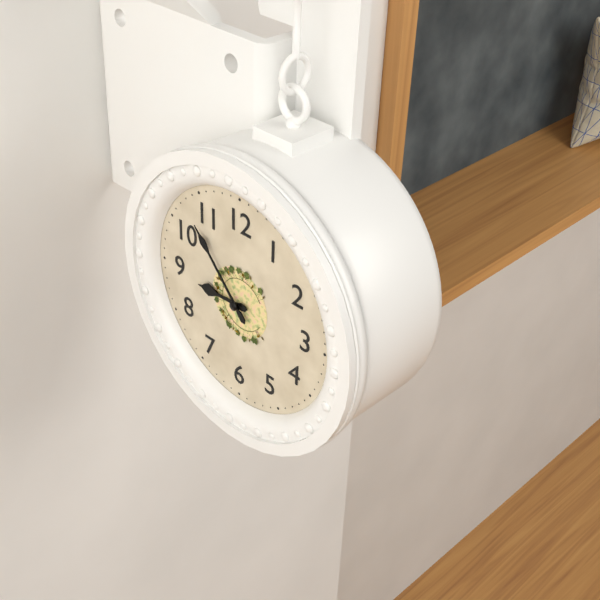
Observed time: 8:53
